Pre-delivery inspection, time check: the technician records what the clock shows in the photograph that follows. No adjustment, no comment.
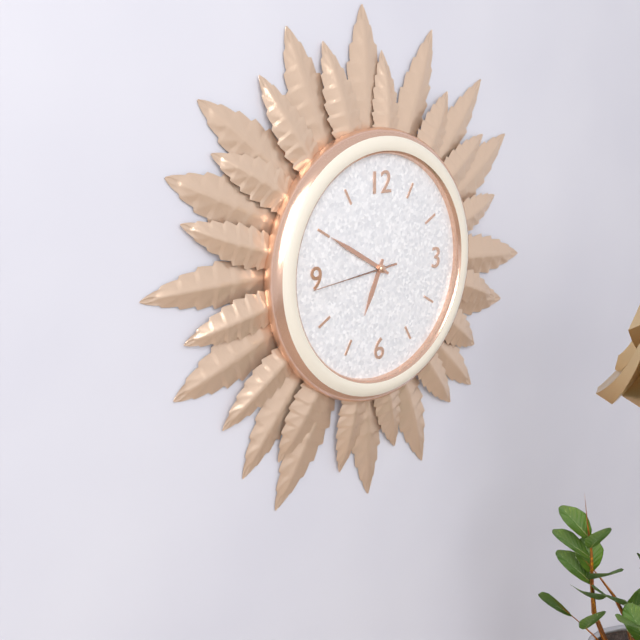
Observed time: 6:50:44
